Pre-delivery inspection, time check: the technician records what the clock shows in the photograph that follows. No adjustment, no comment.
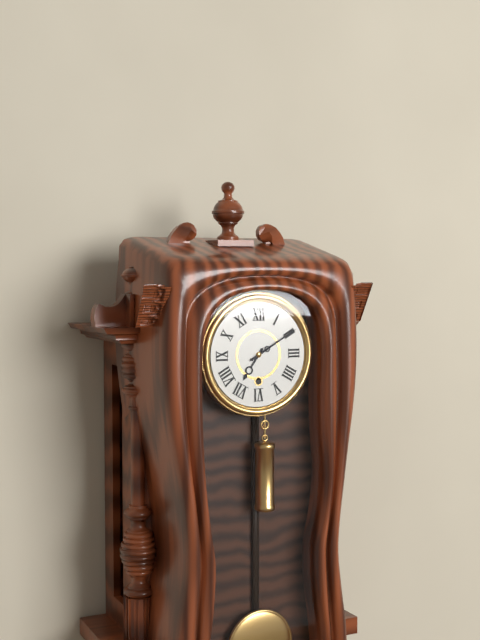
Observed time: 7:10
